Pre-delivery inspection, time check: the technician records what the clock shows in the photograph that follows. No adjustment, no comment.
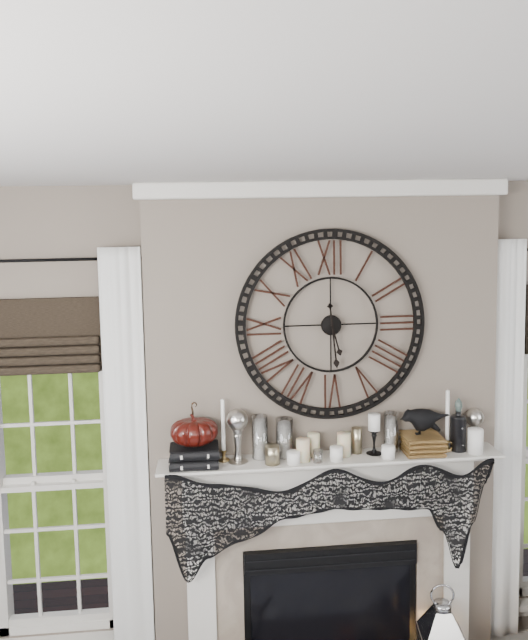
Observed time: 5:29
